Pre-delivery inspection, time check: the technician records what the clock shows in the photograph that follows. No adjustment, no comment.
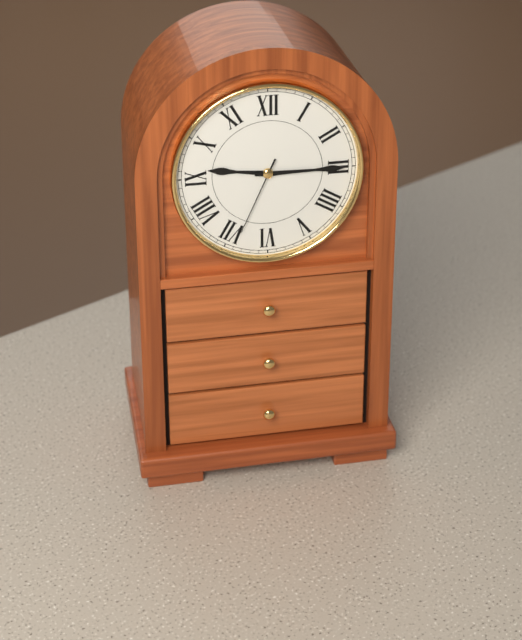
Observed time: 9:15:34
